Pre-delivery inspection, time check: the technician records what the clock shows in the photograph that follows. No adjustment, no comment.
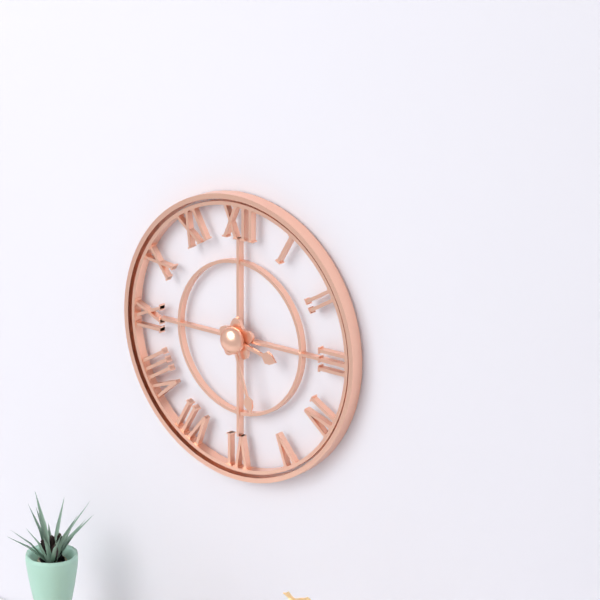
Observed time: 3:27
